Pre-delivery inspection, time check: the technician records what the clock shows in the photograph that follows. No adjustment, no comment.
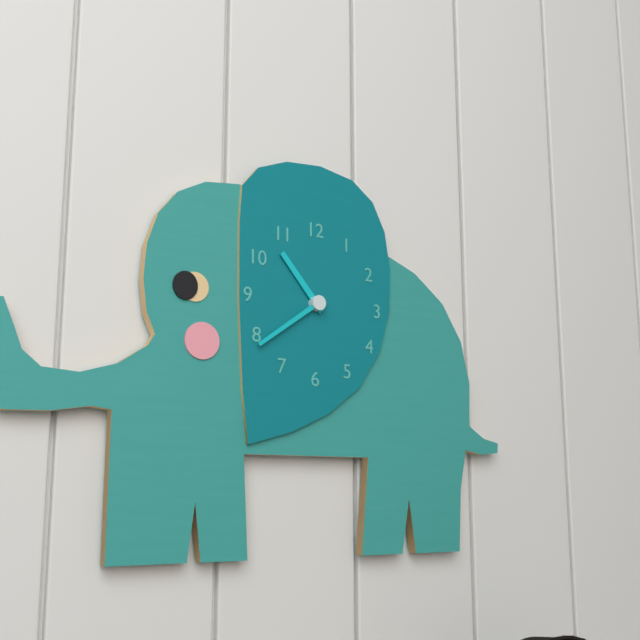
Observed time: 10:39
